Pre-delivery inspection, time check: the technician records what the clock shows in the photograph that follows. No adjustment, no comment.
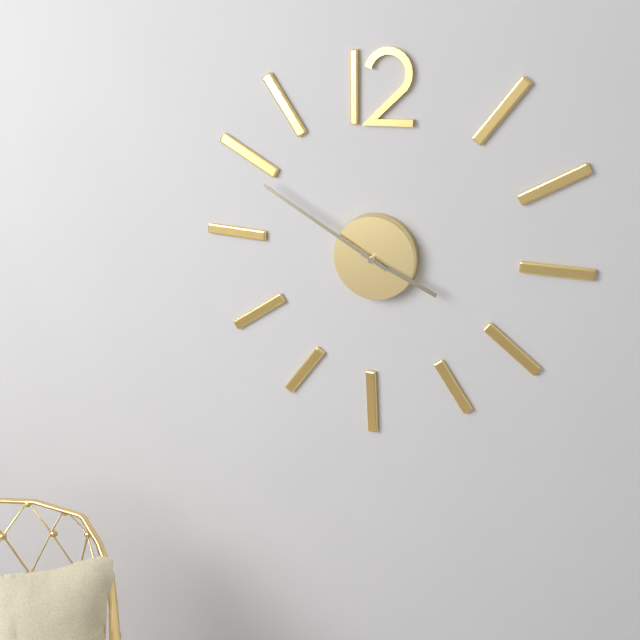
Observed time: 3:50
